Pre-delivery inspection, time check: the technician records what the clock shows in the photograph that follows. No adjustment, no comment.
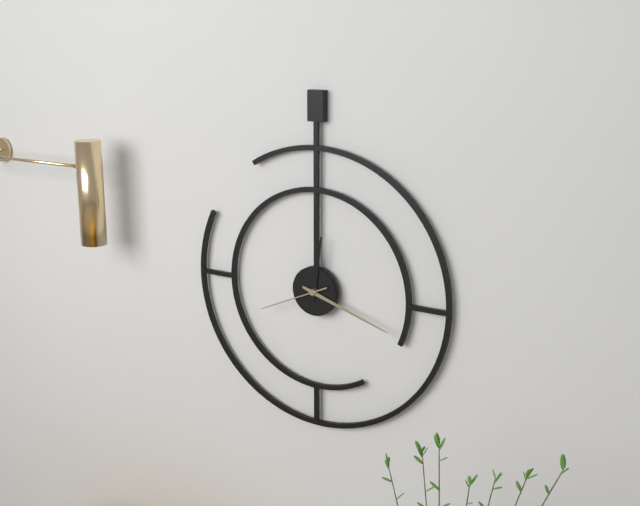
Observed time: 12:18:41
